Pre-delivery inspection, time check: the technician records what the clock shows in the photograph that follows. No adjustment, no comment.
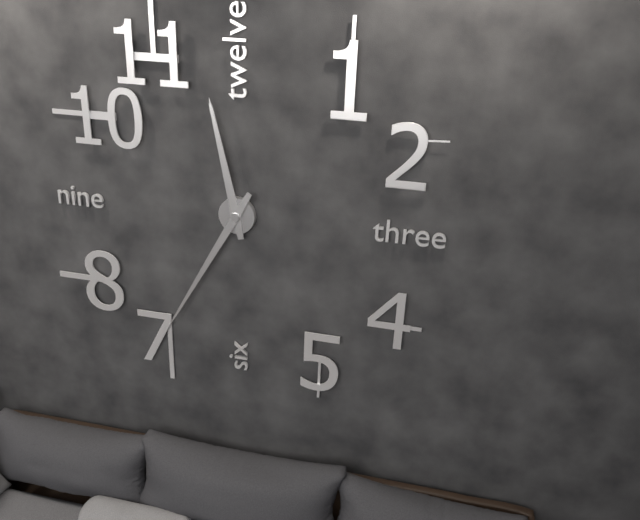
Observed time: 11:35
